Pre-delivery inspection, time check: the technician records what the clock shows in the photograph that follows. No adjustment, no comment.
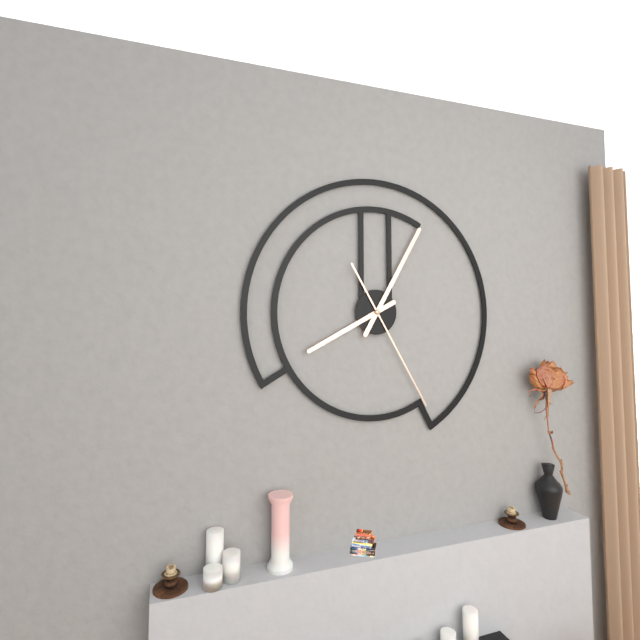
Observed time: 8:05:25
